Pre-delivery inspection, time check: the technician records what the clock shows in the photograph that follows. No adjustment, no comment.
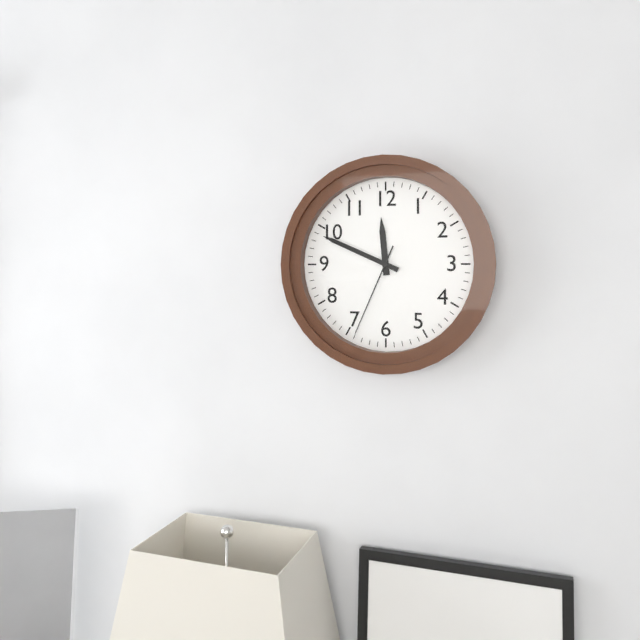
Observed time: 11:49:34
